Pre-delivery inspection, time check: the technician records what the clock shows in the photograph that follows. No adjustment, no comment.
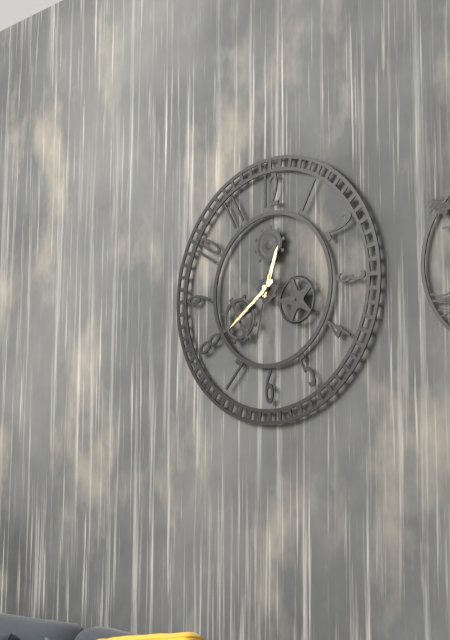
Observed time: 12:39:32
